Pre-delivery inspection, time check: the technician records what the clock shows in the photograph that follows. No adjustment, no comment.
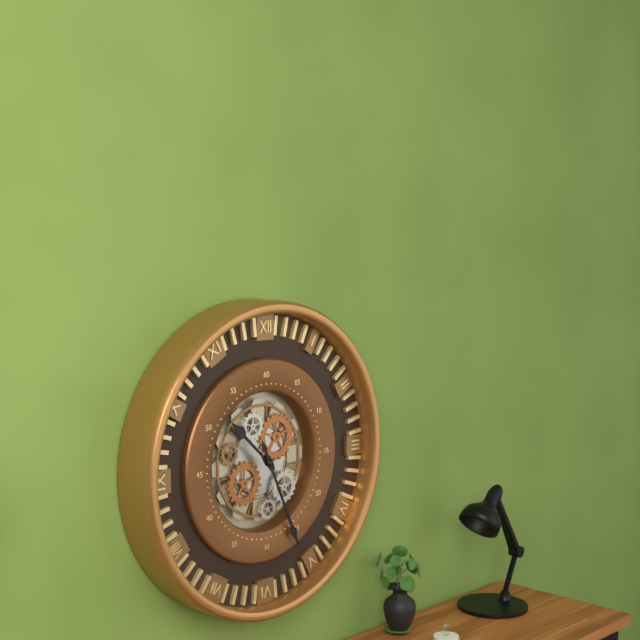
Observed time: 10:26
